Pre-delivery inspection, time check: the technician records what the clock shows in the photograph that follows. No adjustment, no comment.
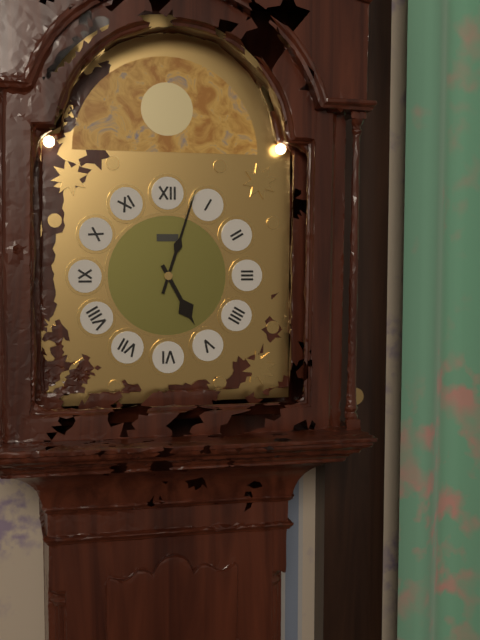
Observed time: 5:03
